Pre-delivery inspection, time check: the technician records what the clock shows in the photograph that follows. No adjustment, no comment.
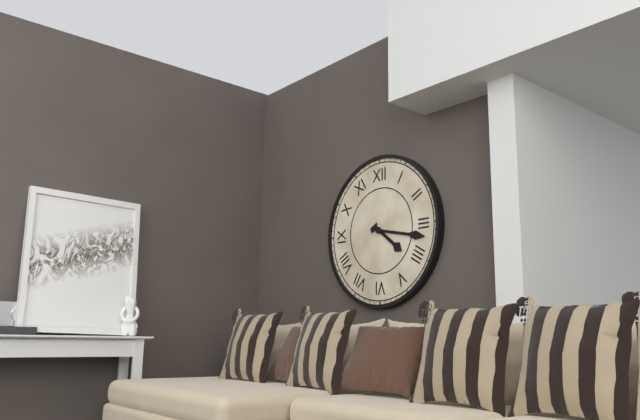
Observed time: 4:17
